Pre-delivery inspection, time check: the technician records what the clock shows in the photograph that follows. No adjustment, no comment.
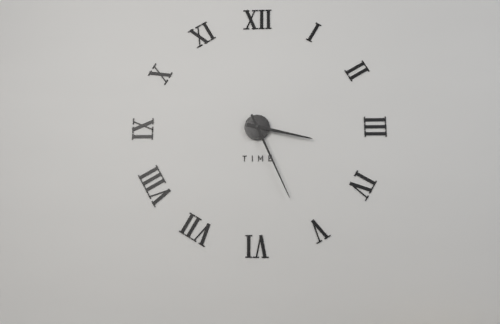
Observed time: 3:26
